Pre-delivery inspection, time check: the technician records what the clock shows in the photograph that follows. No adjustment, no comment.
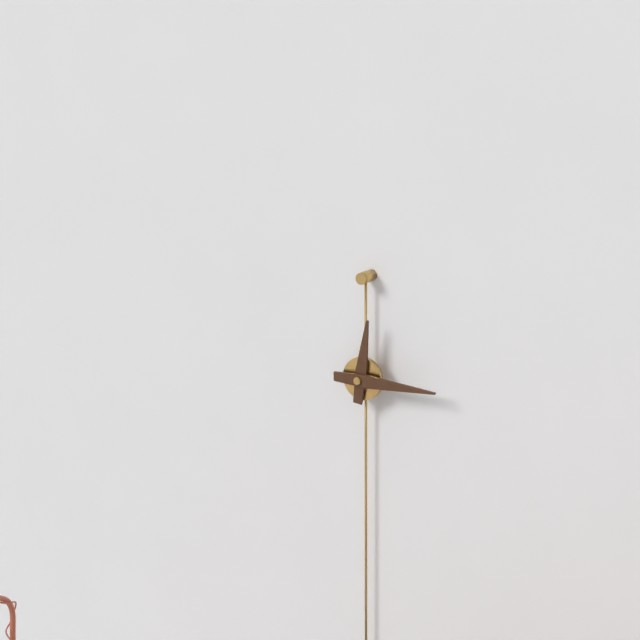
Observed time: 12:15
